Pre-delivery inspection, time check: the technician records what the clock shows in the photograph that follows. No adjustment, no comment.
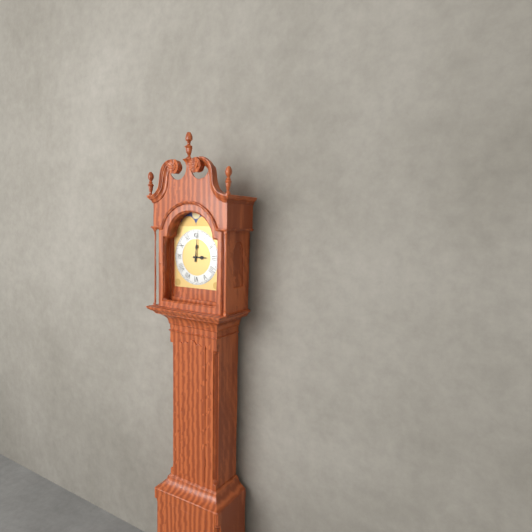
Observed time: 3:01
